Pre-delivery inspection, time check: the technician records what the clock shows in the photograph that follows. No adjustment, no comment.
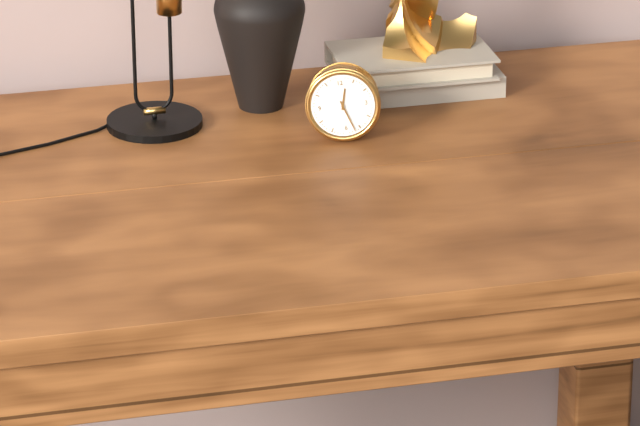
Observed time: 12:27
